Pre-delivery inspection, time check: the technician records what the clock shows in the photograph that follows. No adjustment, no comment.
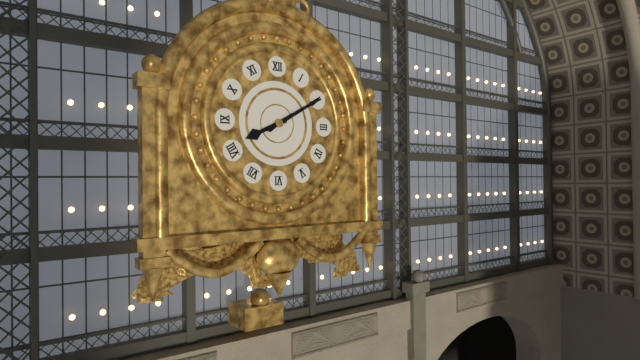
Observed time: 8:10
